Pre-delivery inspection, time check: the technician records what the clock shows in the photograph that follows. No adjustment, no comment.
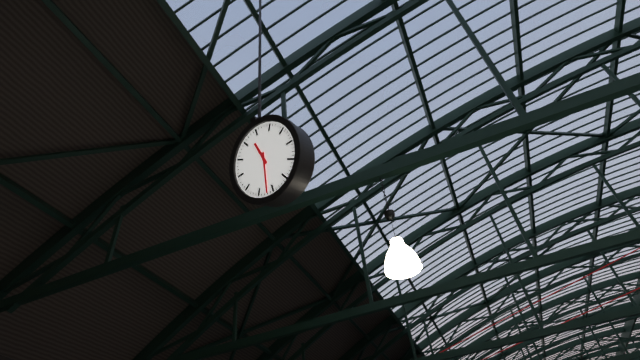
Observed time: 11:32
